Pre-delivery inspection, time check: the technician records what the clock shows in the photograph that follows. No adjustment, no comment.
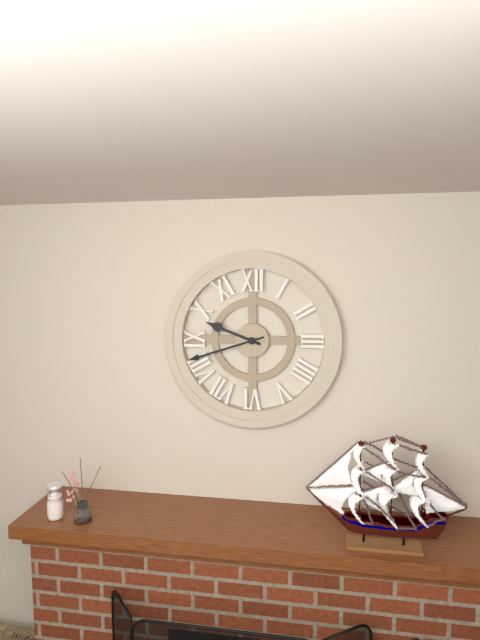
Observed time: 9:42
